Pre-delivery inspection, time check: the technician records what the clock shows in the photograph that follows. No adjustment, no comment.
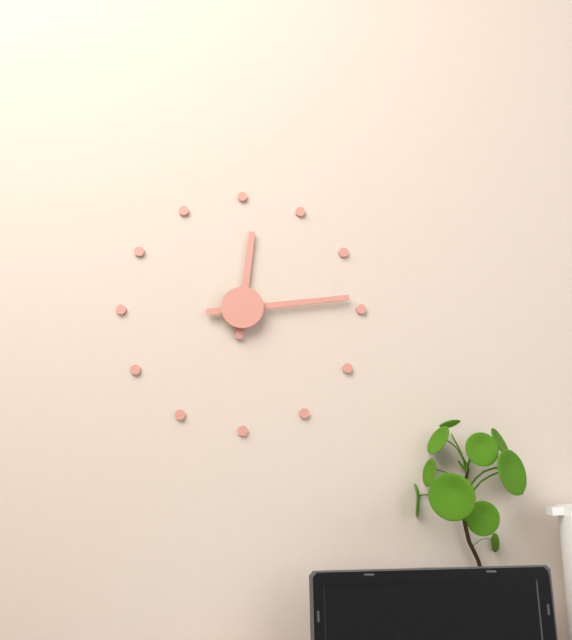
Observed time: 12:14
